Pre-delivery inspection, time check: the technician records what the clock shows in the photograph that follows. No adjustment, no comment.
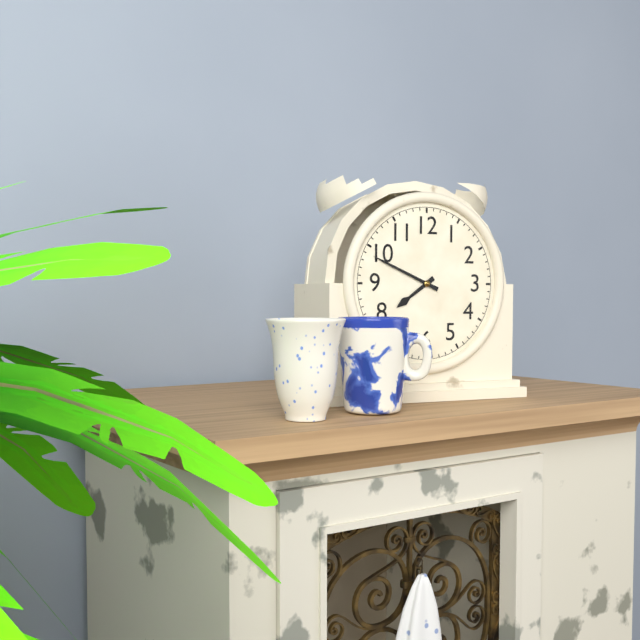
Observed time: 7:49
